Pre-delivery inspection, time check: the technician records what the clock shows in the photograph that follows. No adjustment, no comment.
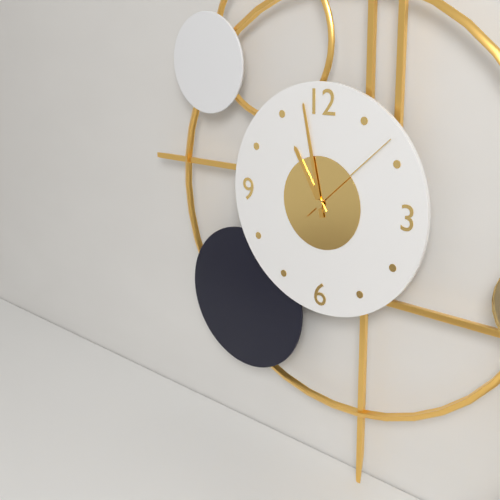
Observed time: 10:58:08
